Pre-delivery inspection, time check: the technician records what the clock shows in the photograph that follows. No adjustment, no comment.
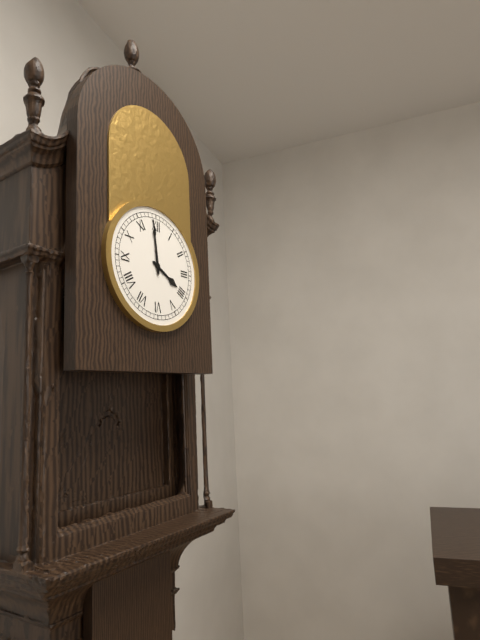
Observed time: 3:59
